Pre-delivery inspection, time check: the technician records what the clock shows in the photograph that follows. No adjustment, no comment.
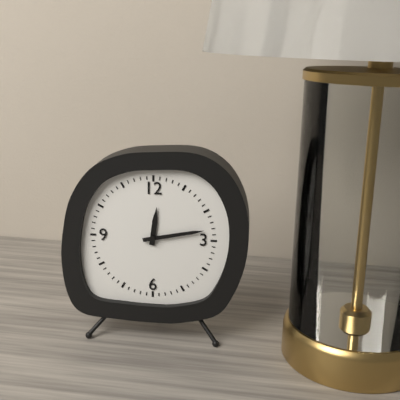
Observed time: 12:13
